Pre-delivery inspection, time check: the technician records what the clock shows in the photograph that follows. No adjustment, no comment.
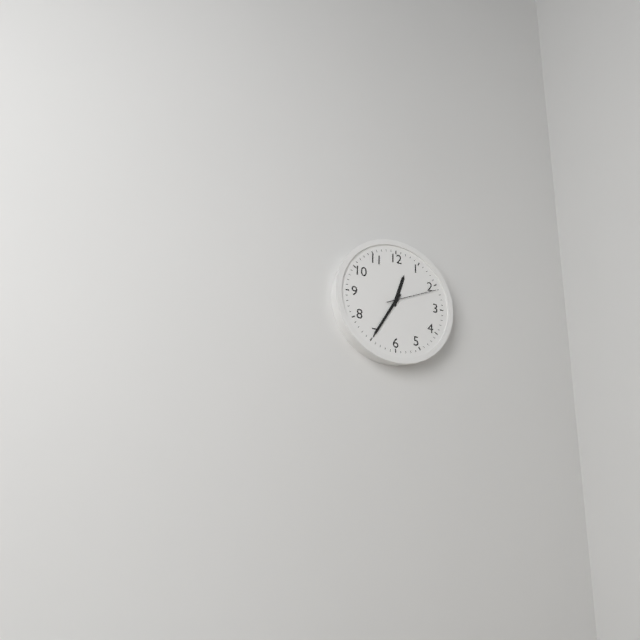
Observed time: 12:35:11
